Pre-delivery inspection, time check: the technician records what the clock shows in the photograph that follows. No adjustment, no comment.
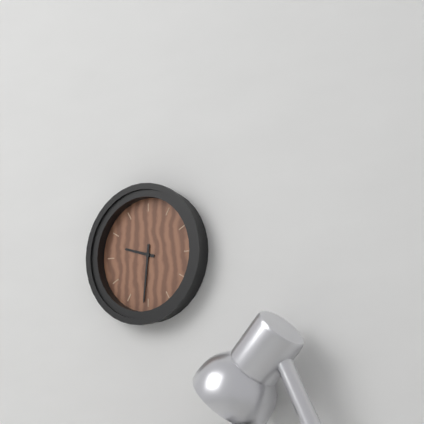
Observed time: 9:31
